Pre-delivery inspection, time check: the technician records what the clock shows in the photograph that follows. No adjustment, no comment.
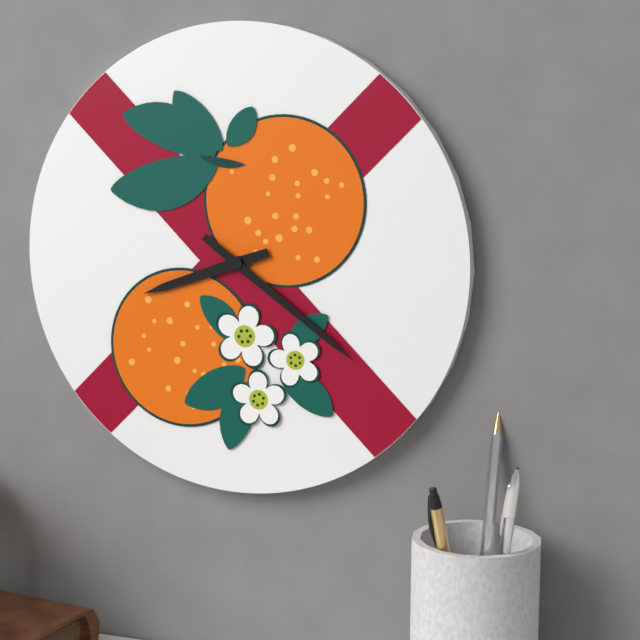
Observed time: 8:21
